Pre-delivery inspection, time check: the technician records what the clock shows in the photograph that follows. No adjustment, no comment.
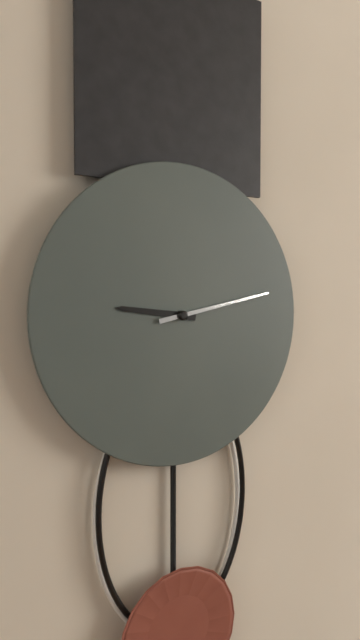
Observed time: 9:13
